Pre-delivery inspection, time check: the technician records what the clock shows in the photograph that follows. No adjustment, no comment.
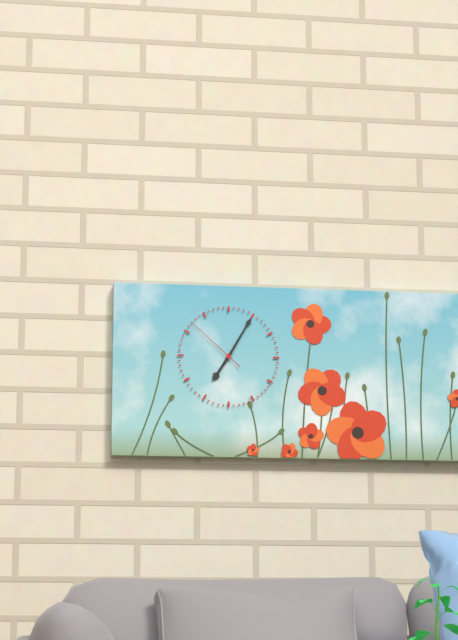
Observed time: 7:05:52
